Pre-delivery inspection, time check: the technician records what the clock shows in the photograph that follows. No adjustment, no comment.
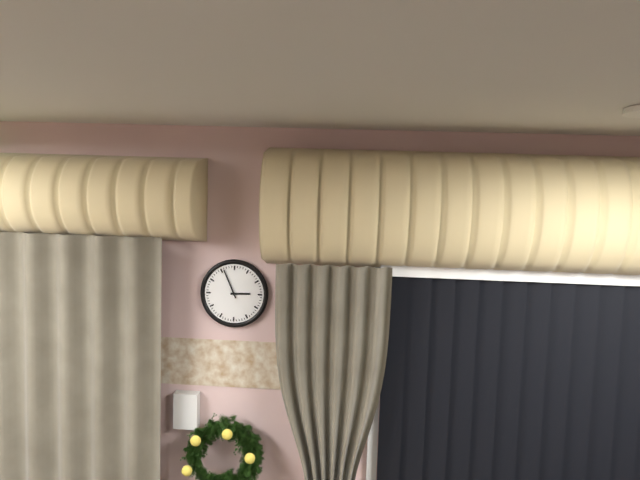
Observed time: 2:56
